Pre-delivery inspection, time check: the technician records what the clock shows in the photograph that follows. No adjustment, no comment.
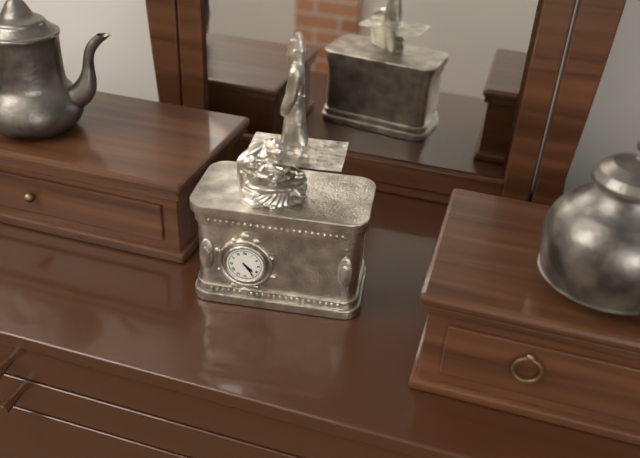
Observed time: 4:24
